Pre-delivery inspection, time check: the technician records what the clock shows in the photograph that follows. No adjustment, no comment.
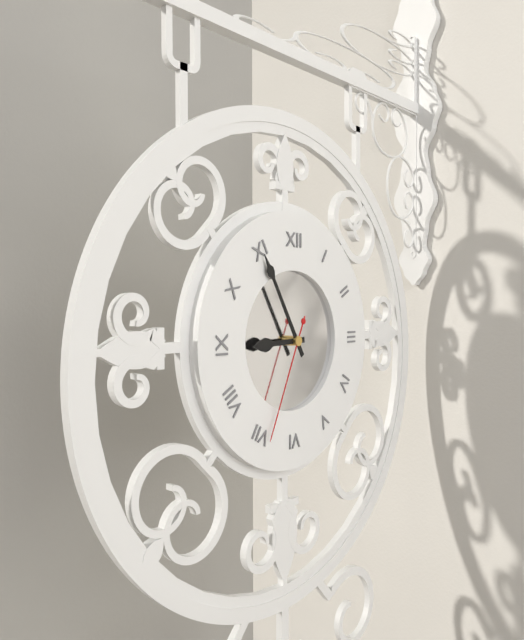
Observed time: 8:55:34
